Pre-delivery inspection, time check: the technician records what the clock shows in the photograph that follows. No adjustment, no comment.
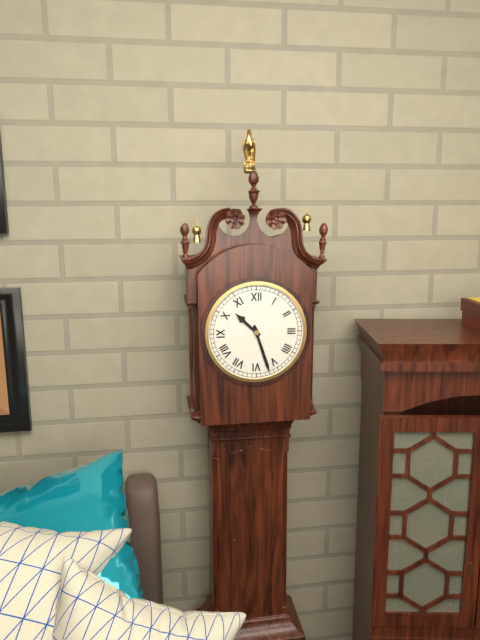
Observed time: 10:27
